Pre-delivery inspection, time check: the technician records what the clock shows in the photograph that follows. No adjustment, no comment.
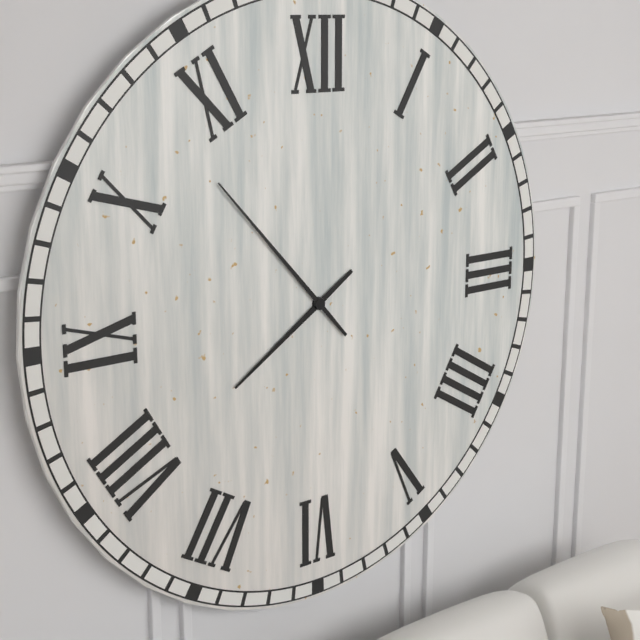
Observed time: 7:53
